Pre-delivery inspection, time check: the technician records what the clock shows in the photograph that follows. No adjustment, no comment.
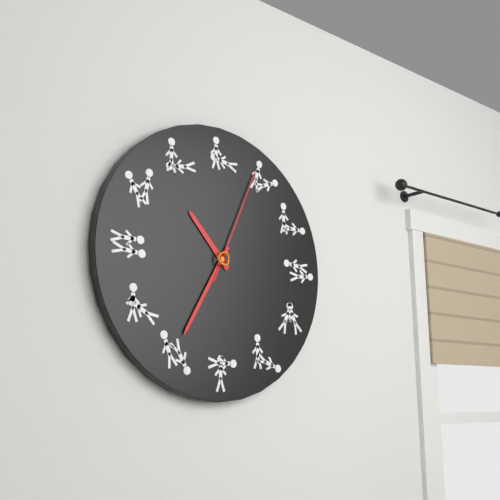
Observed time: 10:35:04
